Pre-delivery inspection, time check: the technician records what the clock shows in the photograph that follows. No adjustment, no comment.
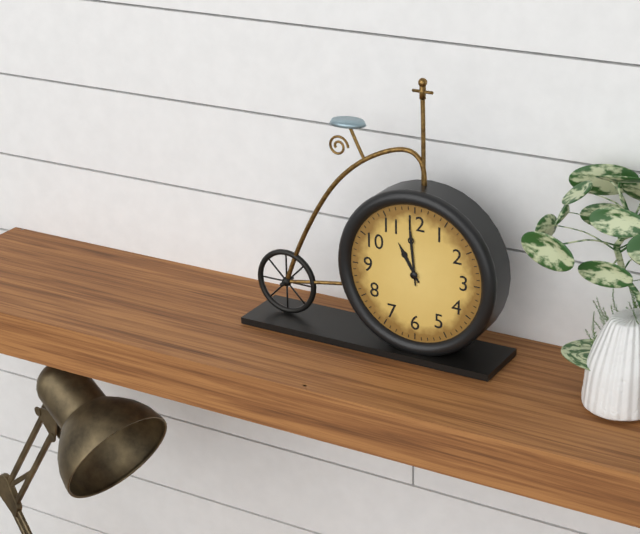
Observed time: 10:59
